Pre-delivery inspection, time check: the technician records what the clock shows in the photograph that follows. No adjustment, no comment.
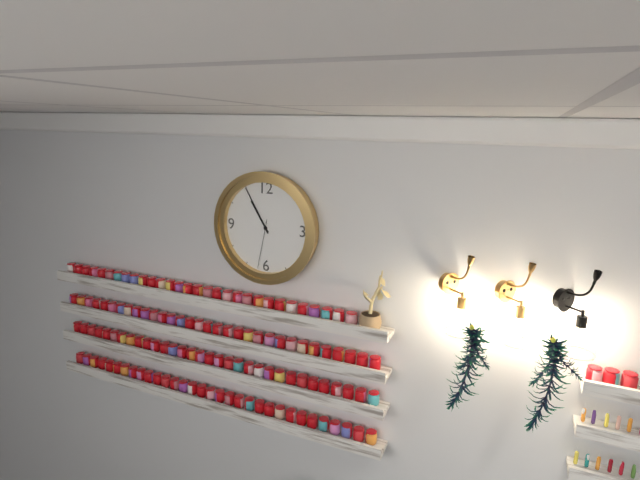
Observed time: 10:55:32
